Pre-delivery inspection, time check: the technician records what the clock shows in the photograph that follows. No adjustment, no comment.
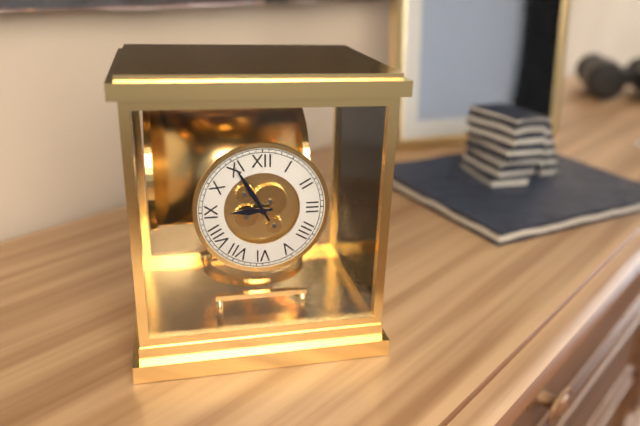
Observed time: 8:55
